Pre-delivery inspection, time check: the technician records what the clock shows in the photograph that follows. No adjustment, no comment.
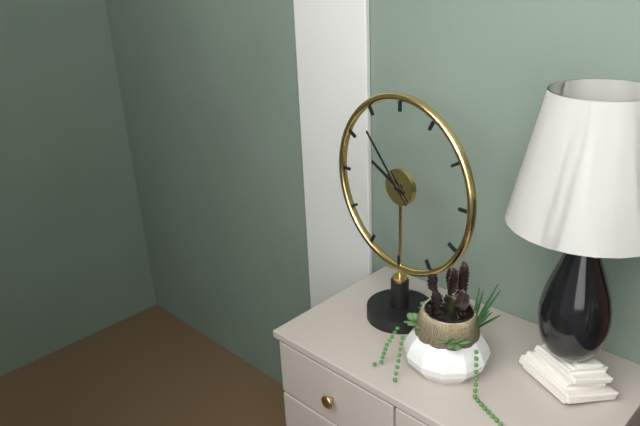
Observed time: 9:53
